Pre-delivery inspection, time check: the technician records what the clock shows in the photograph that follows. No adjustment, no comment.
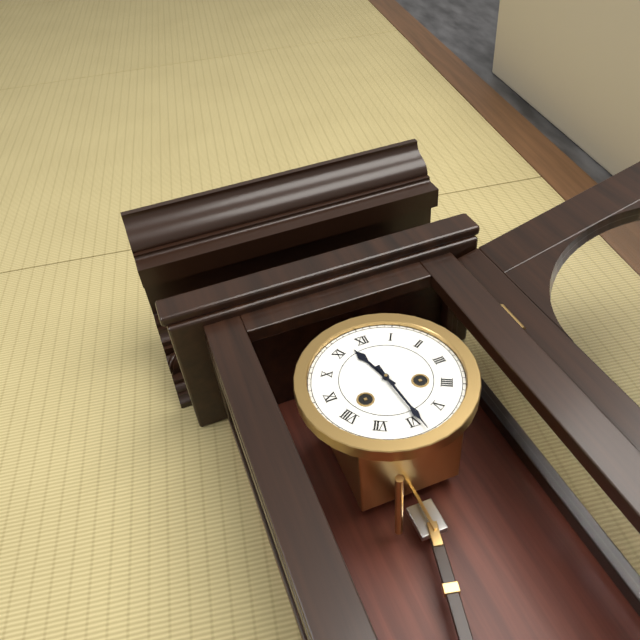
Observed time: 11:29
